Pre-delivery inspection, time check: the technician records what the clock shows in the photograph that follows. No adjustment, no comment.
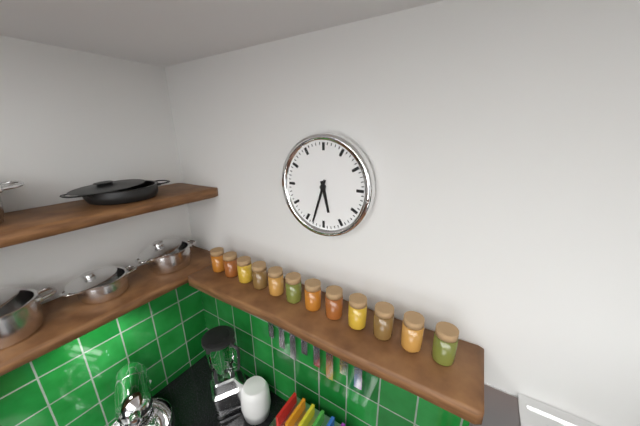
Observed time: 5:33
